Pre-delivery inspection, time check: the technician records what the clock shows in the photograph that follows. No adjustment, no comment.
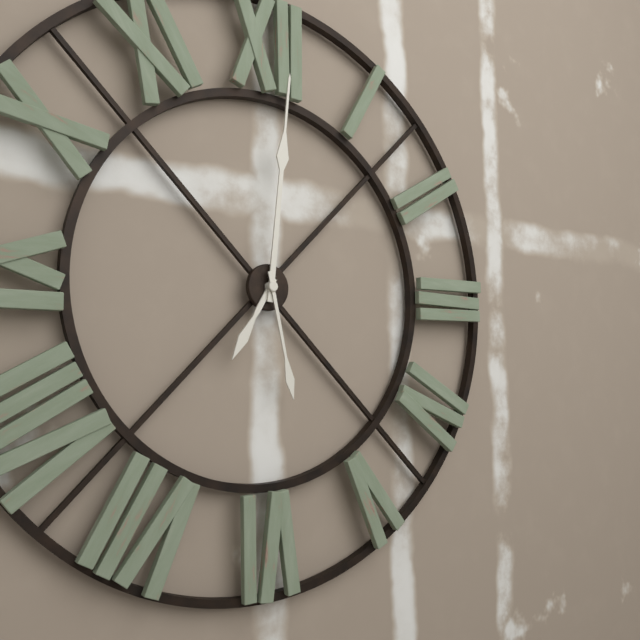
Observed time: 7:01:28
